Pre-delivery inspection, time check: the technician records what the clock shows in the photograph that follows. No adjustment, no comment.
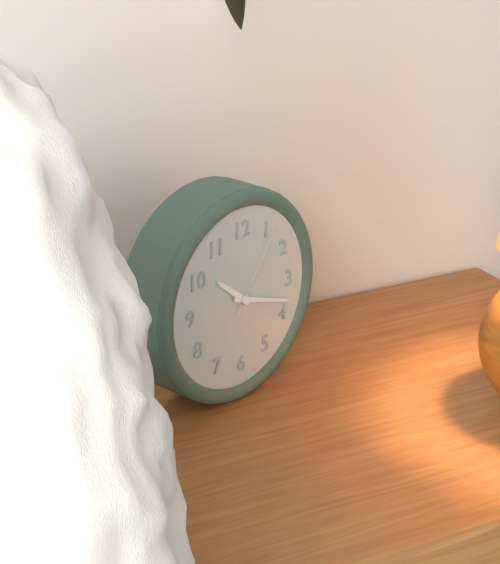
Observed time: 10:18:06
